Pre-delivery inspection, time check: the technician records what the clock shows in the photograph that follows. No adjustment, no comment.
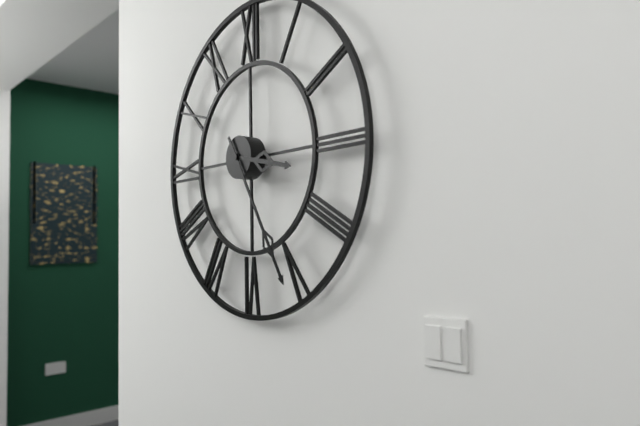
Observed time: 3:25
